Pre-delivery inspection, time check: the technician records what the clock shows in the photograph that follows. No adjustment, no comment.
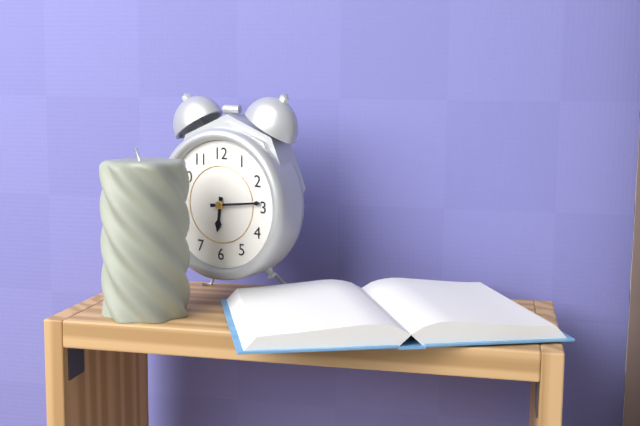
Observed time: 6:14
